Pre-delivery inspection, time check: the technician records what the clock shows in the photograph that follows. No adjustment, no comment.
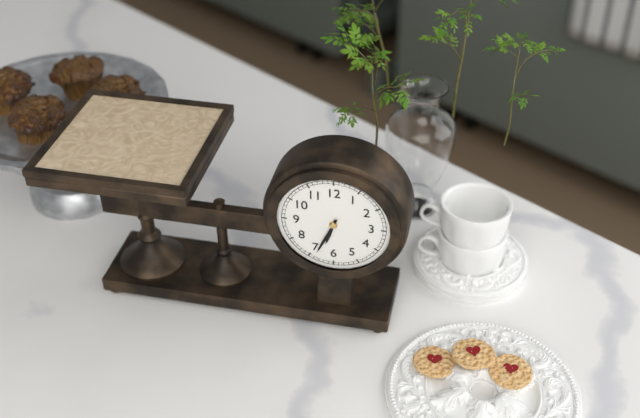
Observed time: 6:34
